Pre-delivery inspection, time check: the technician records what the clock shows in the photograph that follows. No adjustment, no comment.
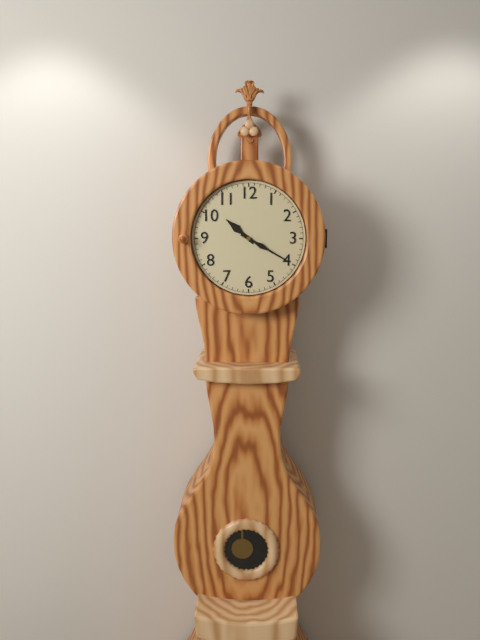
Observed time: 10:20
